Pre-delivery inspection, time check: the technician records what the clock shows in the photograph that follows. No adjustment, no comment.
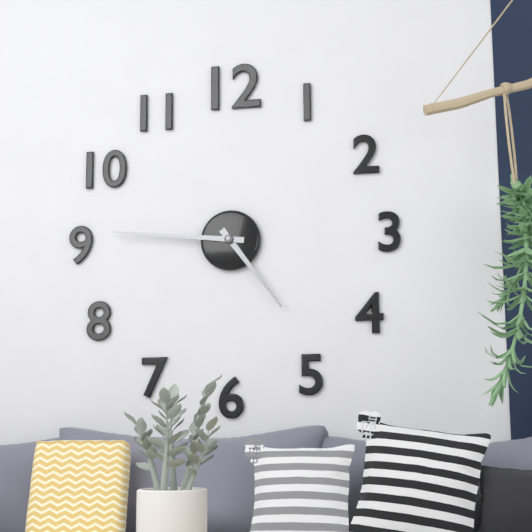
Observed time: 4:46
